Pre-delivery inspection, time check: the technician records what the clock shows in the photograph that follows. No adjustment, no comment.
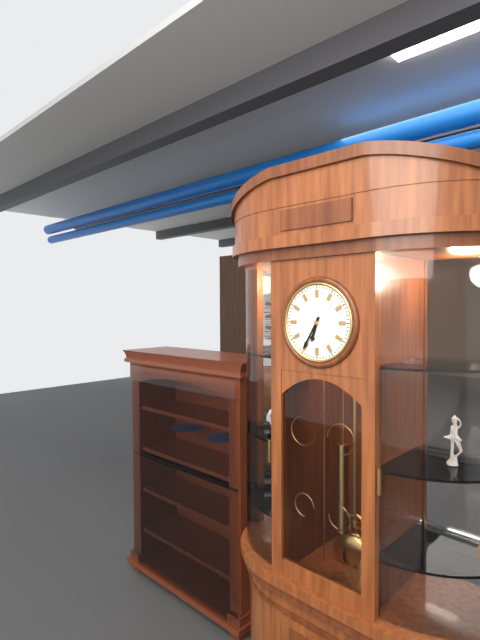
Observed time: 6:35
